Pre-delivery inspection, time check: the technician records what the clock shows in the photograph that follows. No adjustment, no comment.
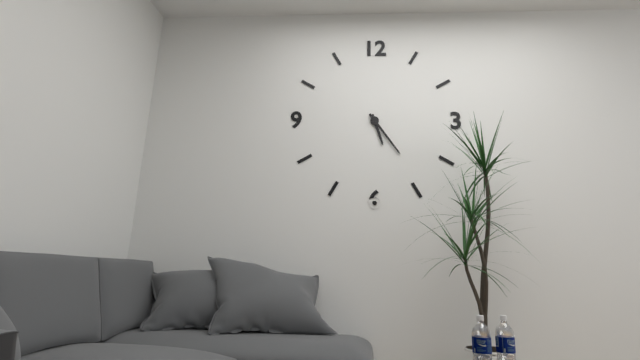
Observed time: 5:24
